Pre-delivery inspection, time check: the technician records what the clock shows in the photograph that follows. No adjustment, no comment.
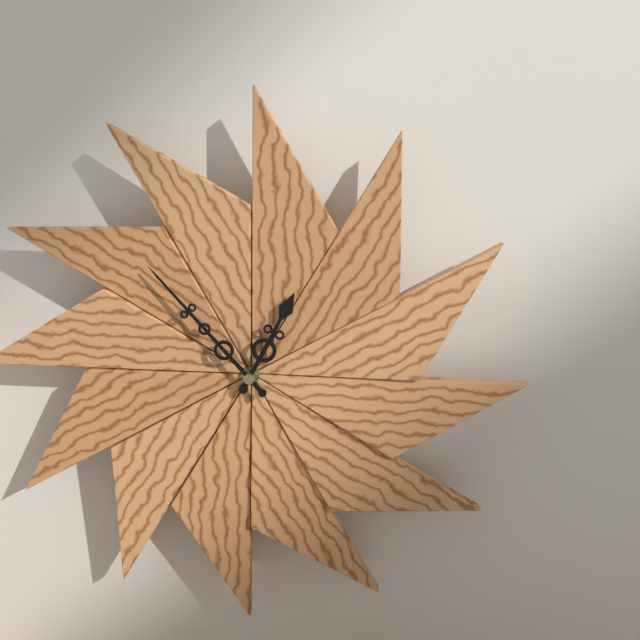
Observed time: 12:53
